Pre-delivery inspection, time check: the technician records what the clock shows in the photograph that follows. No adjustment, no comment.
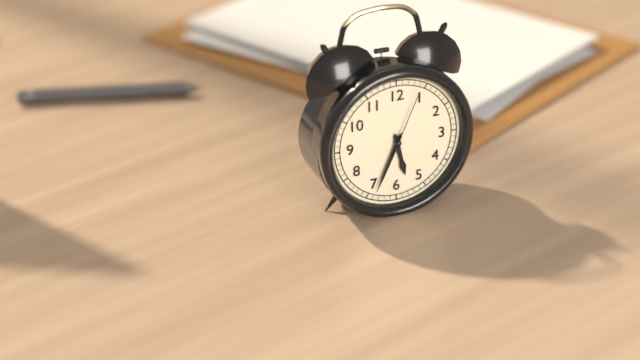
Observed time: 5:34:04
